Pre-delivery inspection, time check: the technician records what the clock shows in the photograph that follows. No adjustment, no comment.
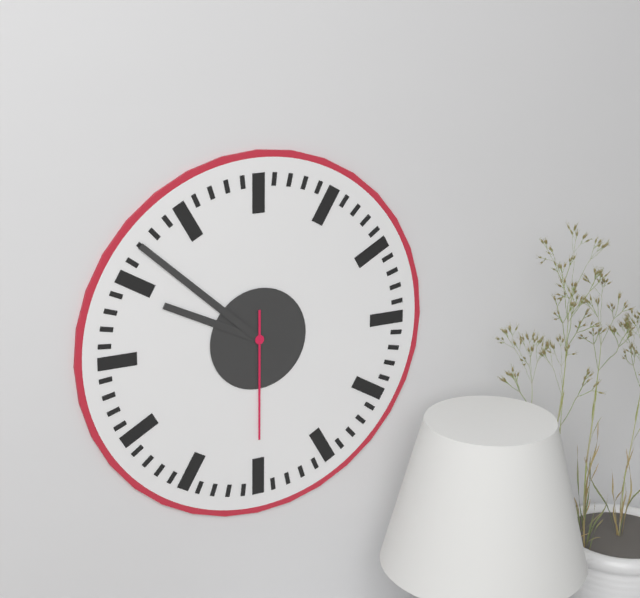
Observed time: 9:52:30
